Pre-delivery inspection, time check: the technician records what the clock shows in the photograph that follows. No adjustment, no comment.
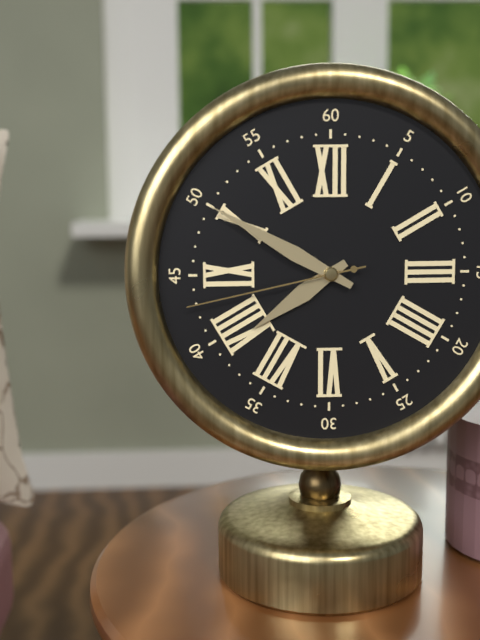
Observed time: 7:50:43
